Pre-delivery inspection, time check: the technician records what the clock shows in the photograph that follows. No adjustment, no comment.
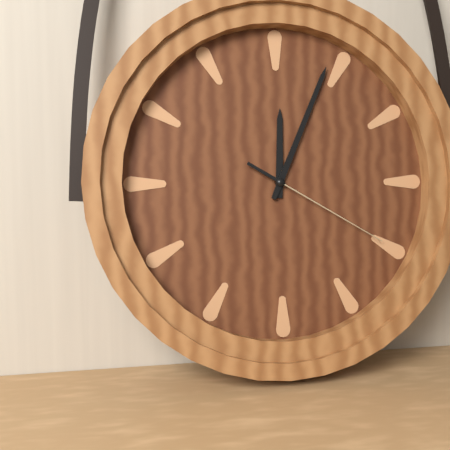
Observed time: 12:04:20
